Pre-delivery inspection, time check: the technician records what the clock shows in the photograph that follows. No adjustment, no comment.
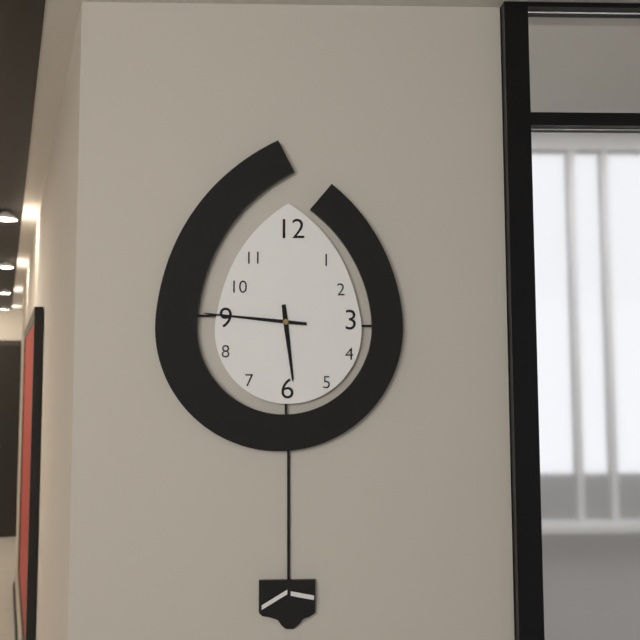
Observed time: 5:46
